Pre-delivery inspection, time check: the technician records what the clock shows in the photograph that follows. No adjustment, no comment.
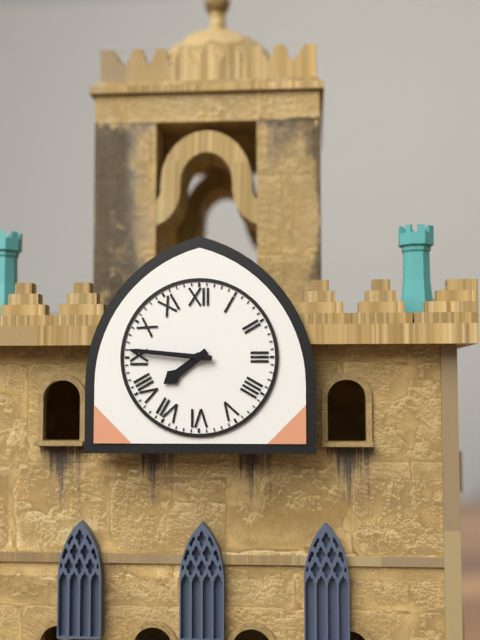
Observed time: 7:46
